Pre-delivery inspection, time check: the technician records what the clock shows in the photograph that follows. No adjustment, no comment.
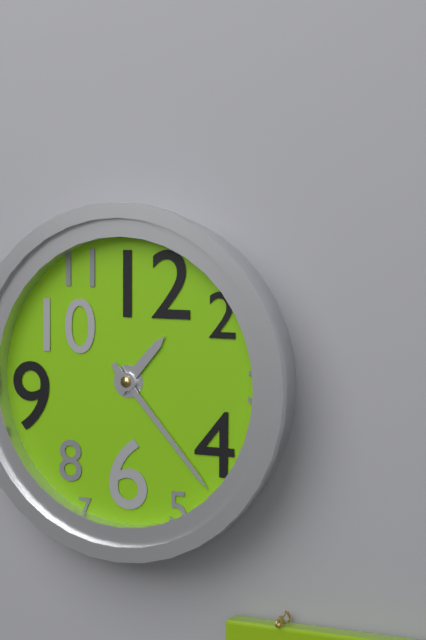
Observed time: 1:23
